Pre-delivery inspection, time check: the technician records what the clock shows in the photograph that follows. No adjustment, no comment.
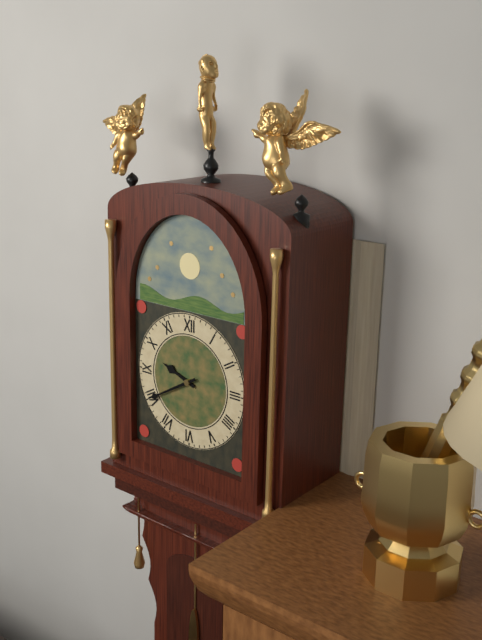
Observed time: 9:40
